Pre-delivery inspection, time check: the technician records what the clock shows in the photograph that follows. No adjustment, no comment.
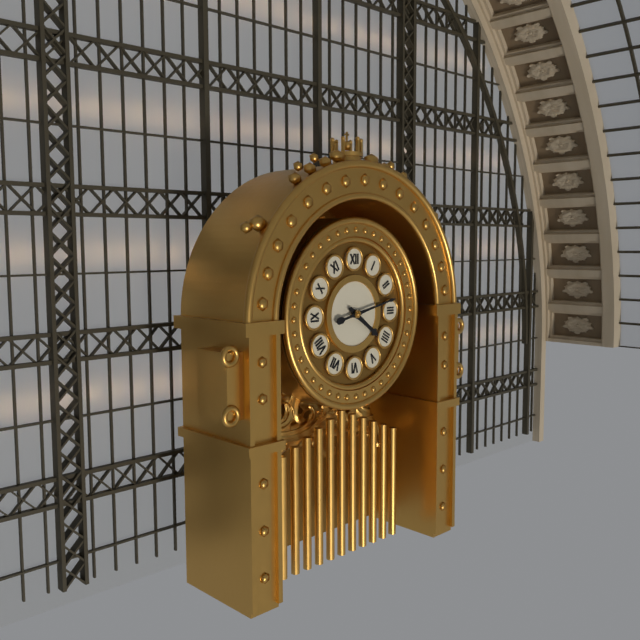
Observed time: 4:13
